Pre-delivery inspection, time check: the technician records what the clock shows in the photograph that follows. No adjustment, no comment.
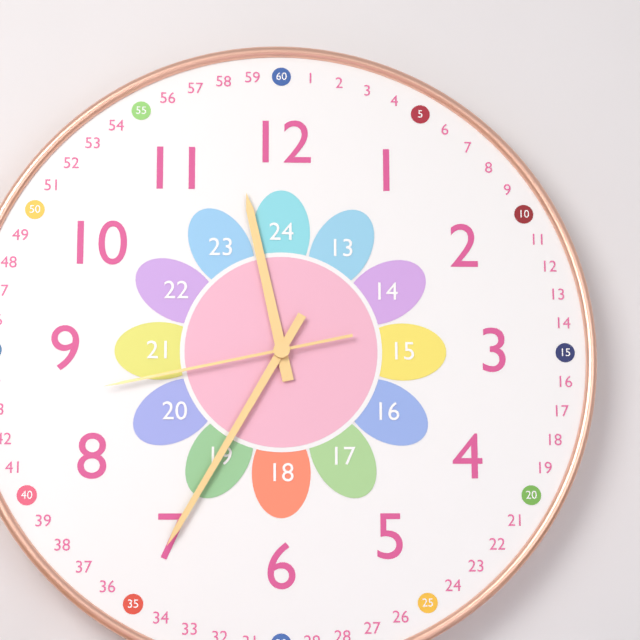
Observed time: 11:35:43
